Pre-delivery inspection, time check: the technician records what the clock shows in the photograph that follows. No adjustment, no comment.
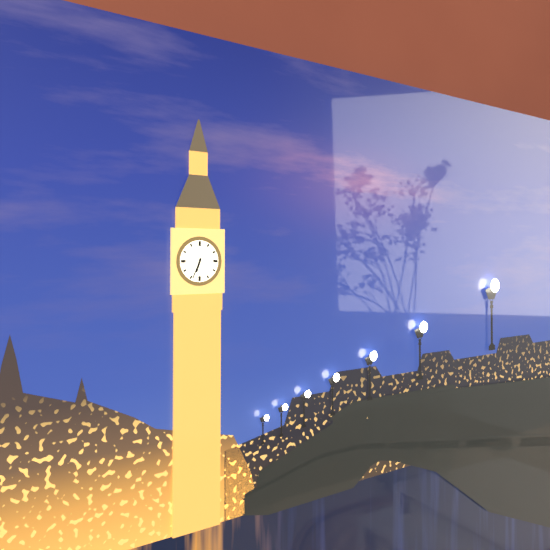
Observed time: 6:34
